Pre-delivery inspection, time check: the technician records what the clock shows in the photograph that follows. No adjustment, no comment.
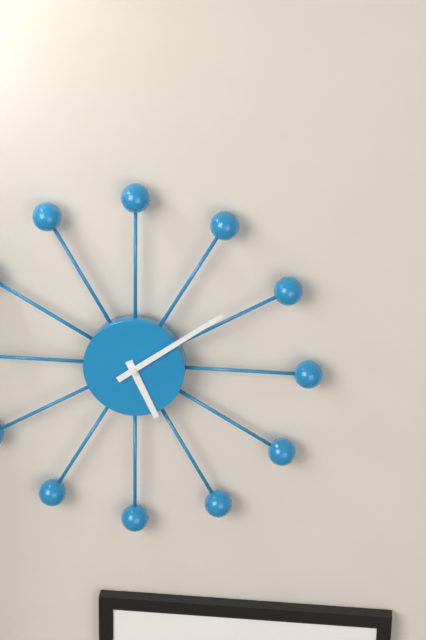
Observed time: 5:09
